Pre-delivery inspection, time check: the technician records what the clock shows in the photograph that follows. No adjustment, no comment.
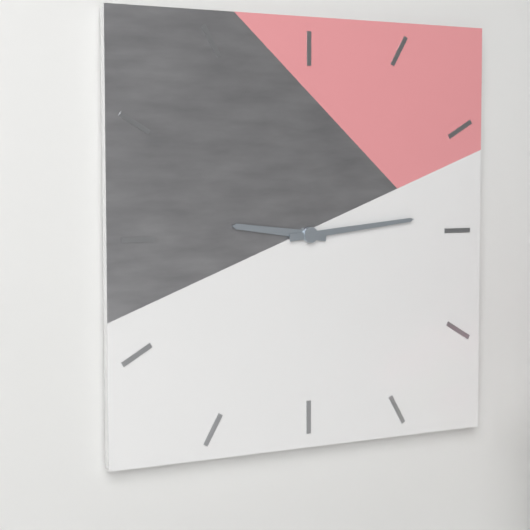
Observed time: 9:14
